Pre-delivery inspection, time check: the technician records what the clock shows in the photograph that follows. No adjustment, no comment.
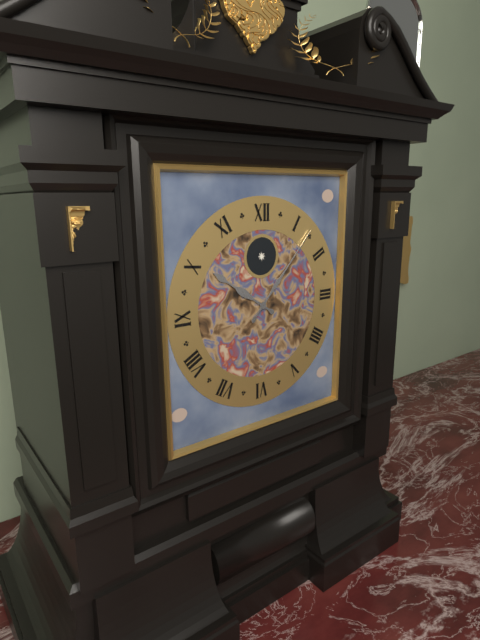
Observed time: 10:07
